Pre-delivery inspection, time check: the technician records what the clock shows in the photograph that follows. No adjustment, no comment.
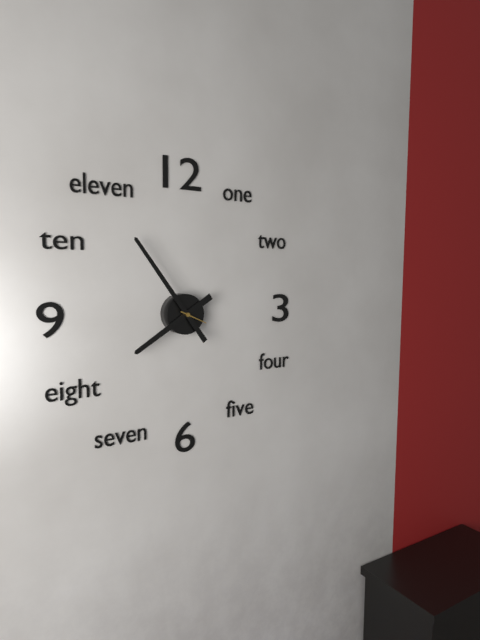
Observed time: 7:54
